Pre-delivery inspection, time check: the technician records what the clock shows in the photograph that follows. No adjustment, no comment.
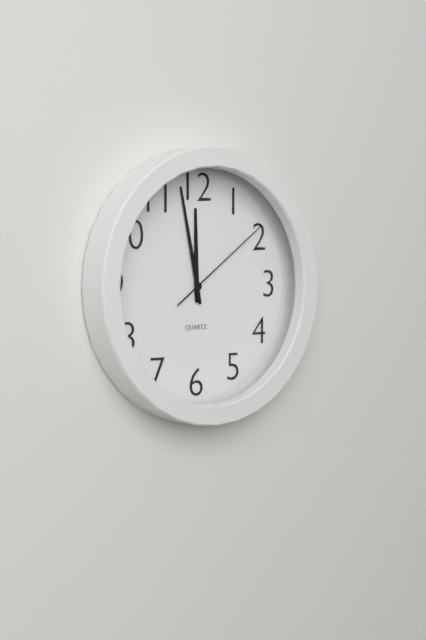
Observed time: 11:58:09
